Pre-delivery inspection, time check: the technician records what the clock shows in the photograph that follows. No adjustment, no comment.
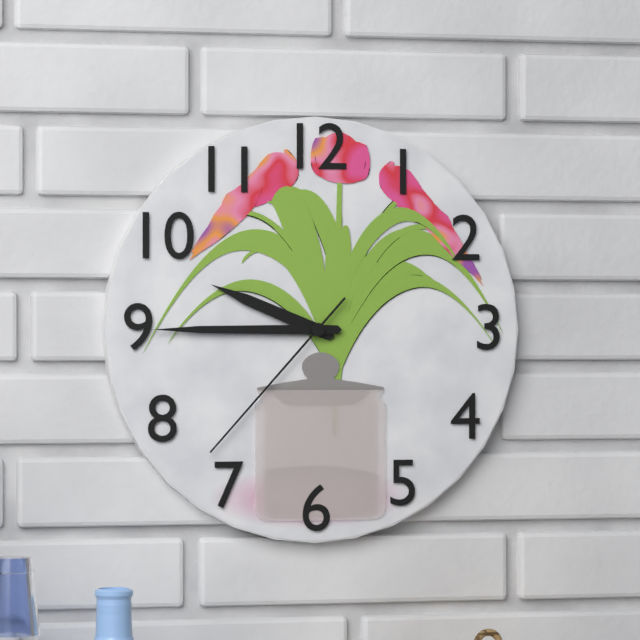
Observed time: 9:45:37
